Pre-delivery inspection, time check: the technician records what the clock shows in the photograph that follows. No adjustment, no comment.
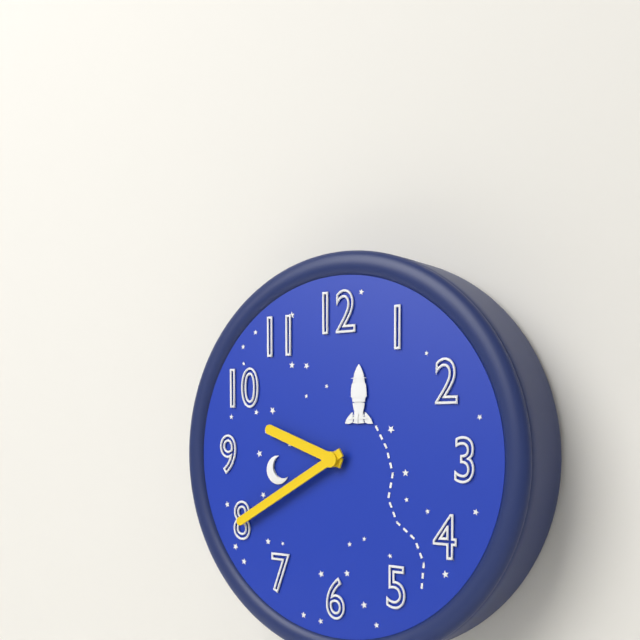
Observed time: 9:40
